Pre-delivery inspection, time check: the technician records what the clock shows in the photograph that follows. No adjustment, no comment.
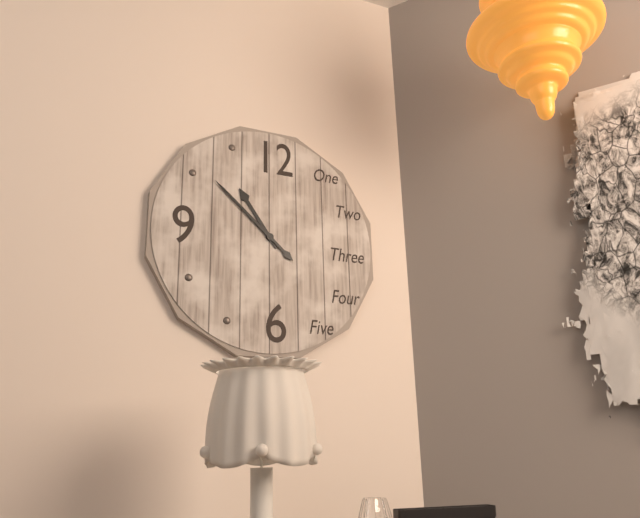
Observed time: 10:52
